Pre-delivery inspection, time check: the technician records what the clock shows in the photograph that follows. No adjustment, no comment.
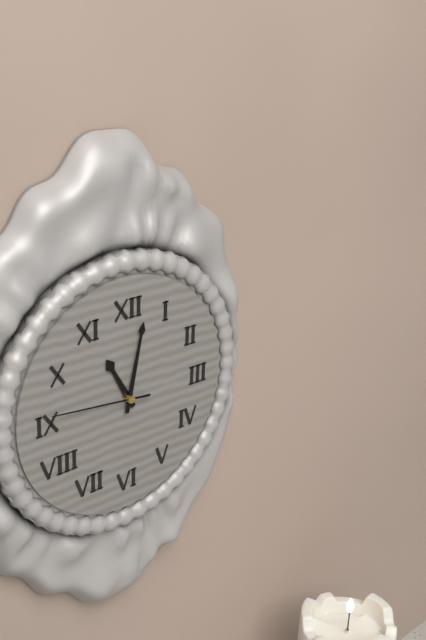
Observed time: 11:02:46
